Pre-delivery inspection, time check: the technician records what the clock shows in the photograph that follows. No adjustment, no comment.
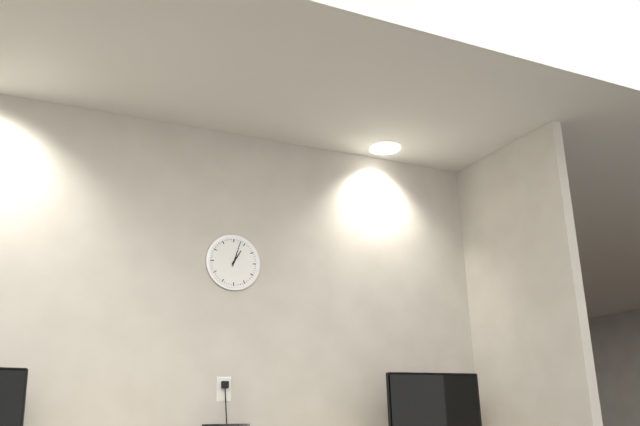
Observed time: 1:03
